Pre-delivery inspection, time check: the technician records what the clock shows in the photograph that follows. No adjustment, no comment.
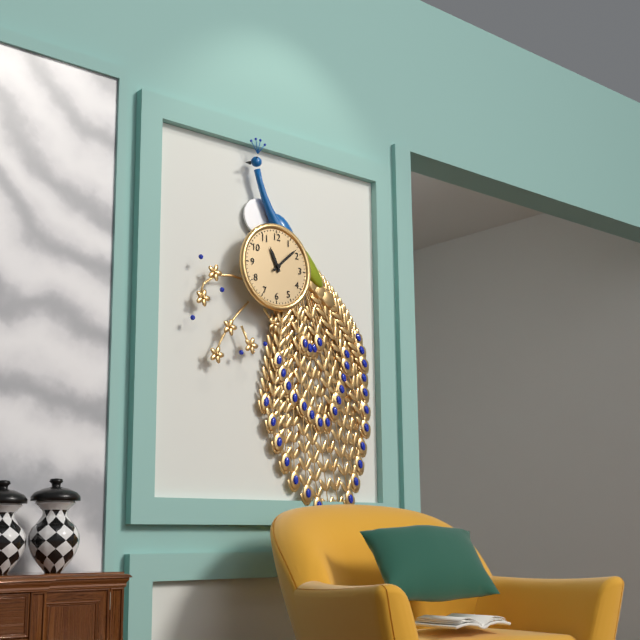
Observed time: 11:08
